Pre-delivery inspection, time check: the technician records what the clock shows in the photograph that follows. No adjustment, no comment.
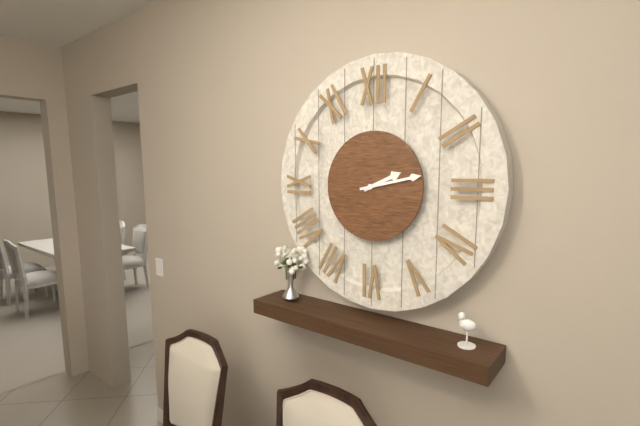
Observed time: 2:13
